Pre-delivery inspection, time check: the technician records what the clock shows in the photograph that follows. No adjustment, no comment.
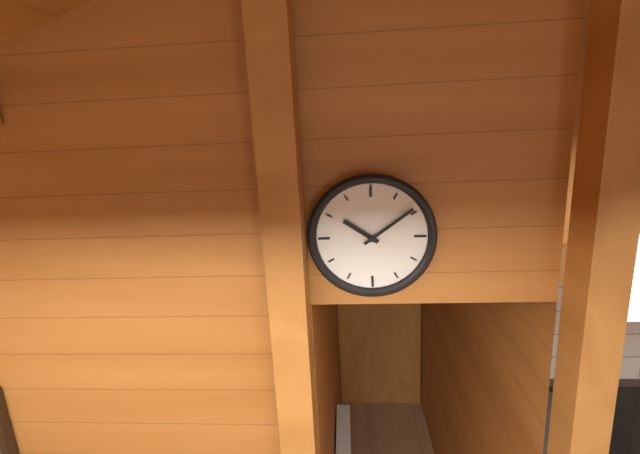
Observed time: 10:09
